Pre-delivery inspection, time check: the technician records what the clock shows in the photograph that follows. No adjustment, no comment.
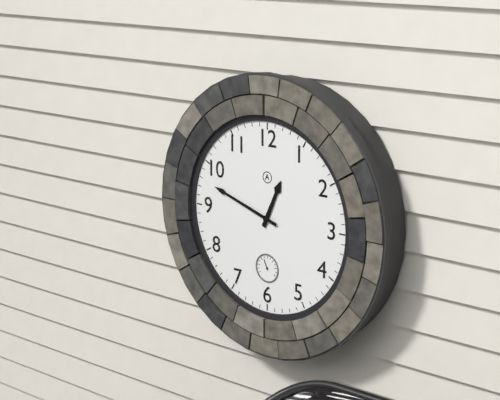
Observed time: 12:48
